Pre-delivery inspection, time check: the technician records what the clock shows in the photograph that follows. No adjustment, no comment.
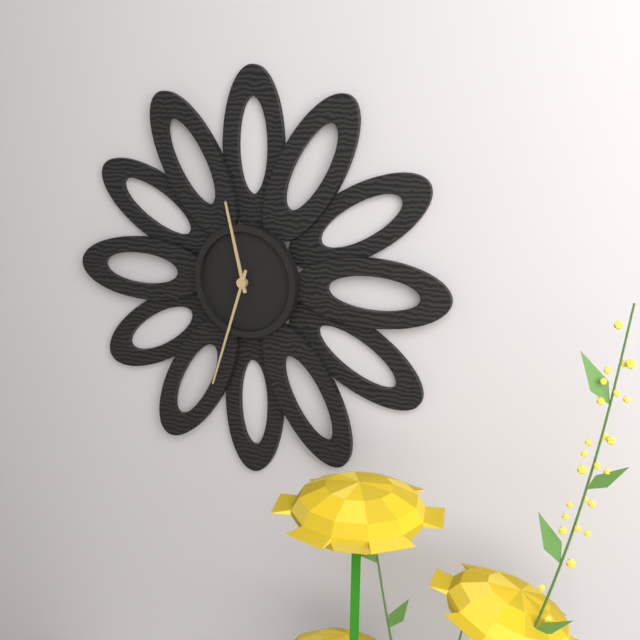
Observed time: 11:33
